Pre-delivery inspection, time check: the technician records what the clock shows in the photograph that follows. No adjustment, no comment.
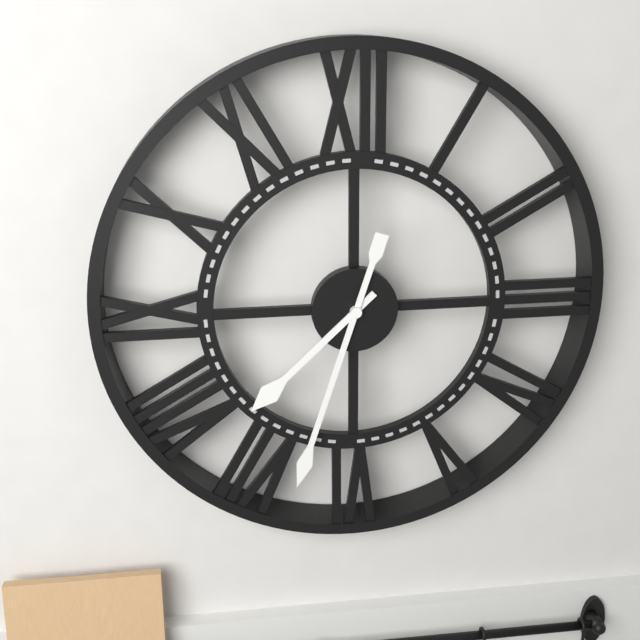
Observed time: 7:33
